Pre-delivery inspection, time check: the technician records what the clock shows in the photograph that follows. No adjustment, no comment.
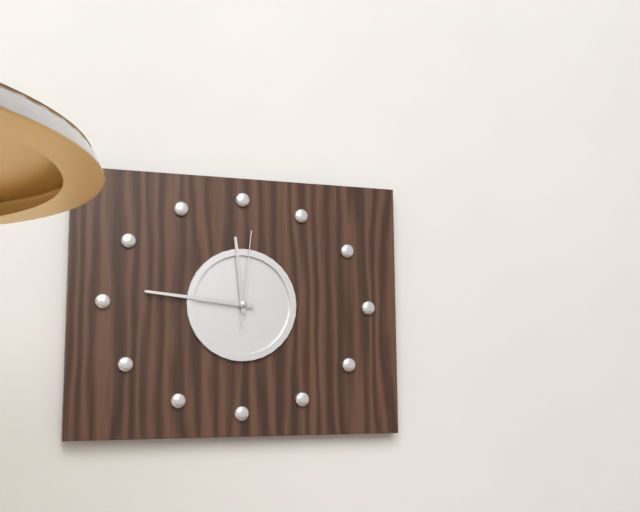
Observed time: 11:46:01
